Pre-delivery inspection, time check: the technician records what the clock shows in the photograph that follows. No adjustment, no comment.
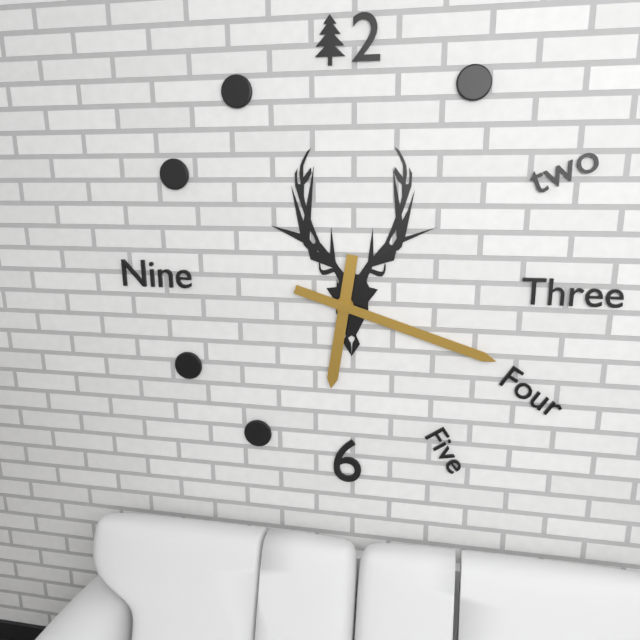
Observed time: 6:18
